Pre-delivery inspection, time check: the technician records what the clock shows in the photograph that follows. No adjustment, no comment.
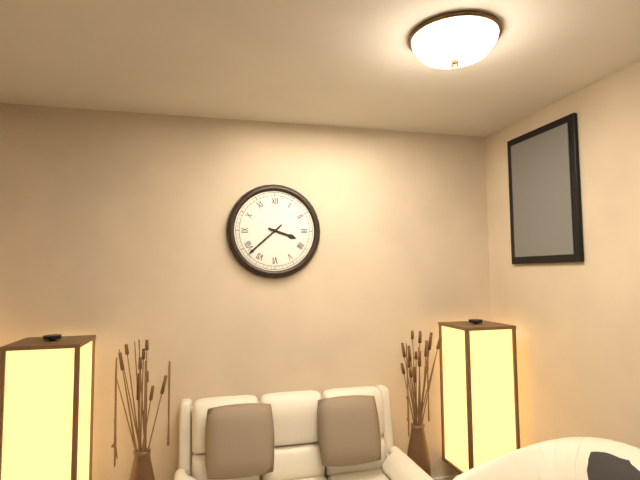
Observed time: 3:38
